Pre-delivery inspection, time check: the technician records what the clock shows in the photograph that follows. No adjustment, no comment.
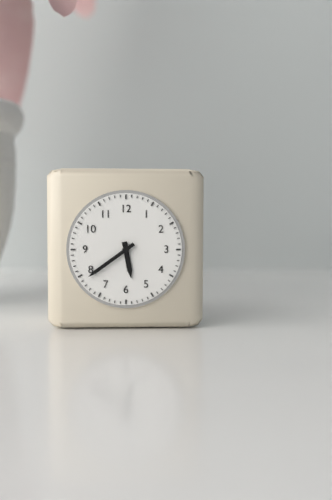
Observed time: 5:39
